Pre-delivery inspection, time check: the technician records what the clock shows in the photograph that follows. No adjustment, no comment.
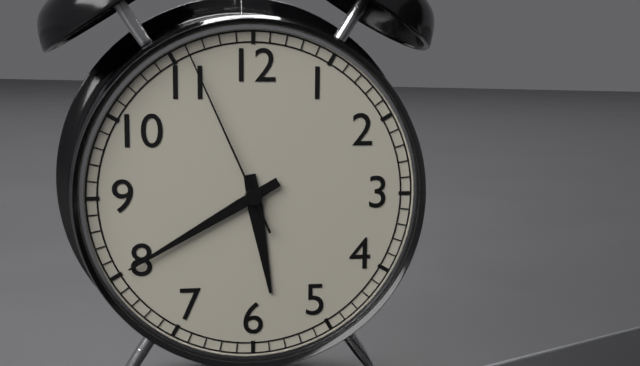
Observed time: 5:40:56
